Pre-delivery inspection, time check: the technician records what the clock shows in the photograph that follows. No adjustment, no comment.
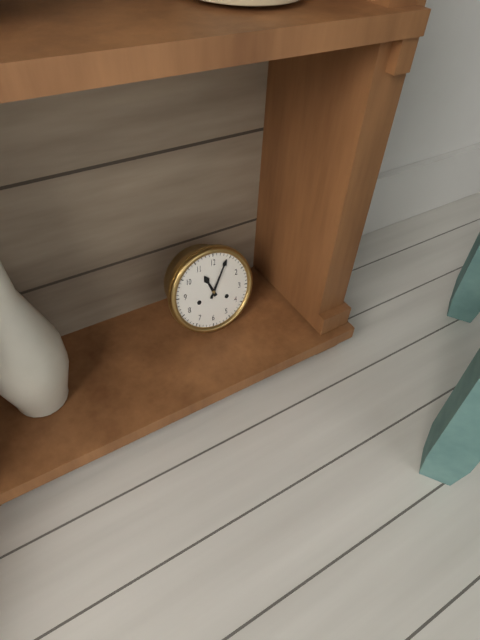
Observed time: 11:04
